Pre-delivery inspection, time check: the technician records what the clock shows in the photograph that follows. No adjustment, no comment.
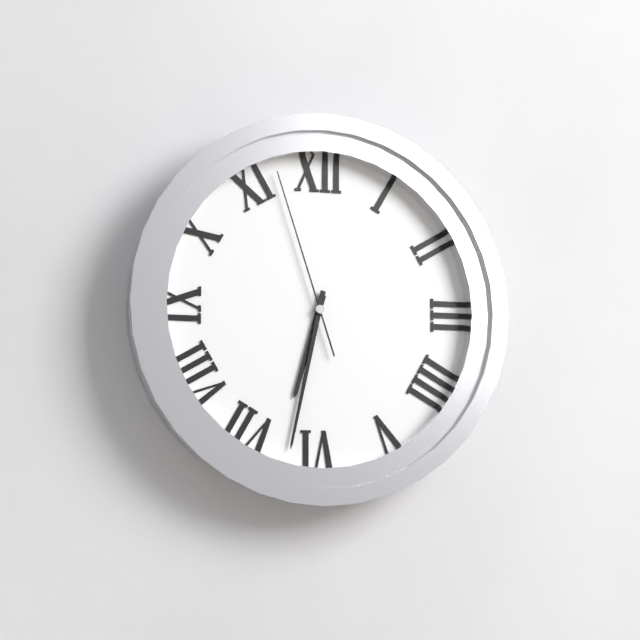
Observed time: 6:32:57
